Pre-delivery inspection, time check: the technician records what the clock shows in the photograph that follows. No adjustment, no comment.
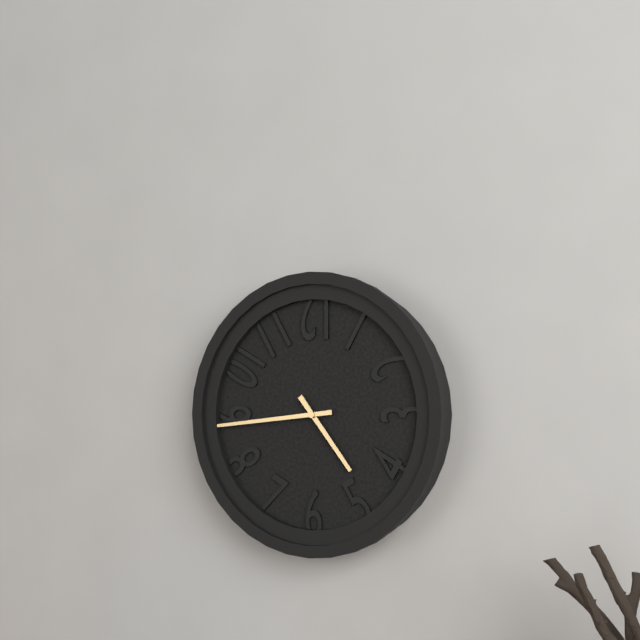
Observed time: 4:44
